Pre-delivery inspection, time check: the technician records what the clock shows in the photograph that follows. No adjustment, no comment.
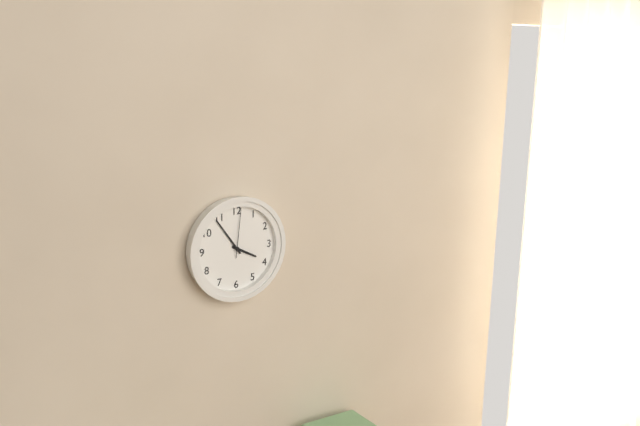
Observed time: 3:54:01
